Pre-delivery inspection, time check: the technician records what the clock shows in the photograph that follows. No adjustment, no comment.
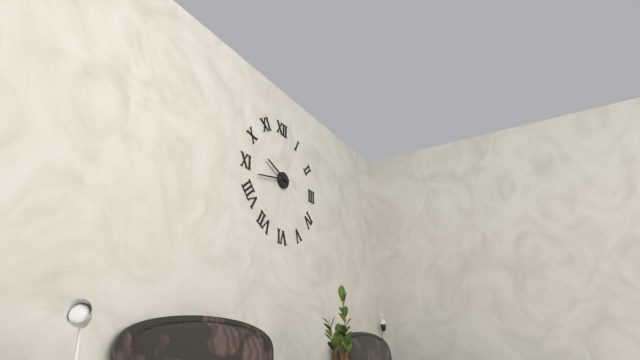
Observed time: 9:43
